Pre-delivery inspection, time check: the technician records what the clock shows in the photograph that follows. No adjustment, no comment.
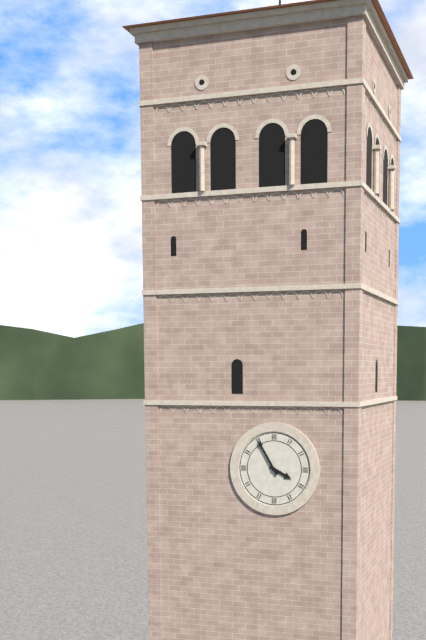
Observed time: 3:55
